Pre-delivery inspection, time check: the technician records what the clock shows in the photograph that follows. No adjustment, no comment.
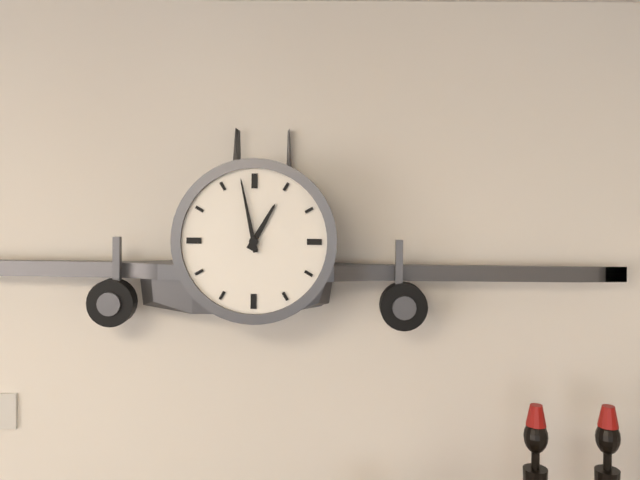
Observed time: 12:58
